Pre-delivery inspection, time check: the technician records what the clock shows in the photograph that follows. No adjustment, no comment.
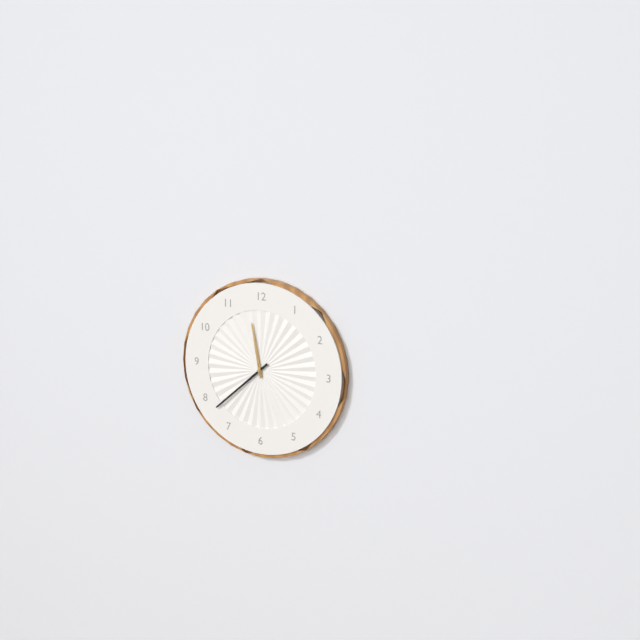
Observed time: 11:38
